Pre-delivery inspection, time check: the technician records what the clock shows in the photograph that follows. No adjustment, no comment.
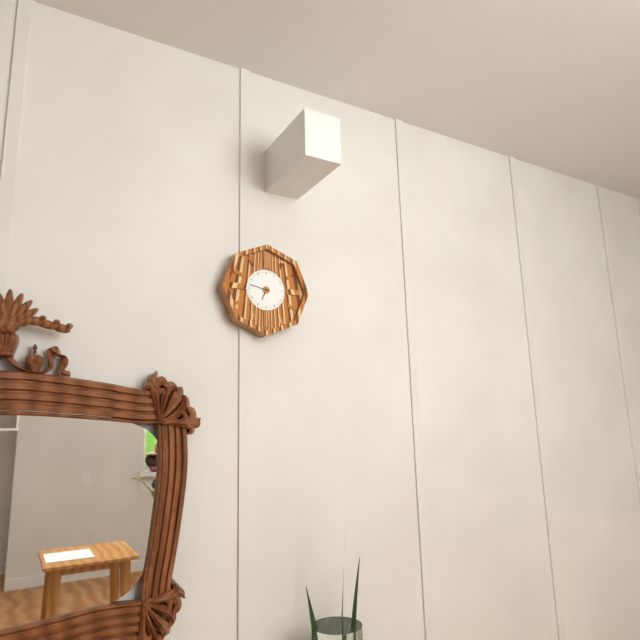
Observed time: 6:47
